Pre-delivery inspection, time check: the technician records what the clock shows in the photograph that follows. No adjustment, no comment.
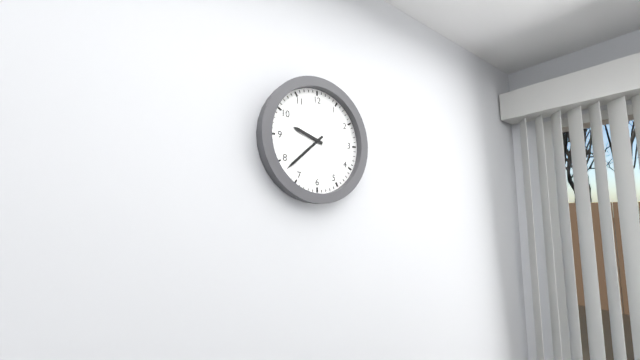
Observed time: 9:38
